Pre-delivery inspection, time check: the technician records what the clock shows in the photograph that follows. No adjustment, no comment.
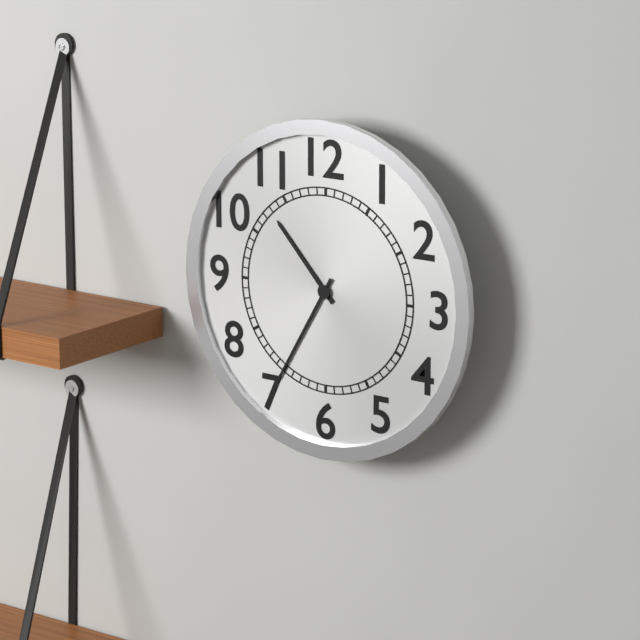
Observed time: 10:35
